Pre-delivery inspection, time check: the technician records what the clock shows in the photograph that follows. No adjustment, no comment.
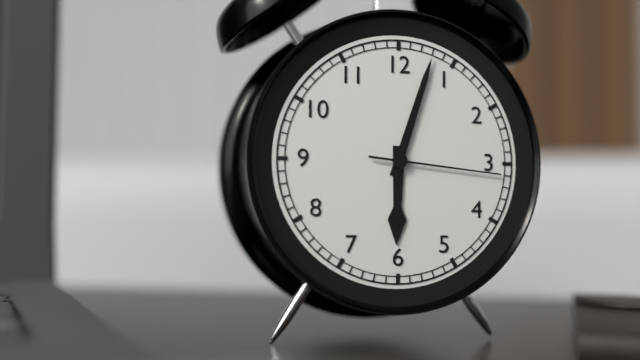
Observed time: 6:03:16
